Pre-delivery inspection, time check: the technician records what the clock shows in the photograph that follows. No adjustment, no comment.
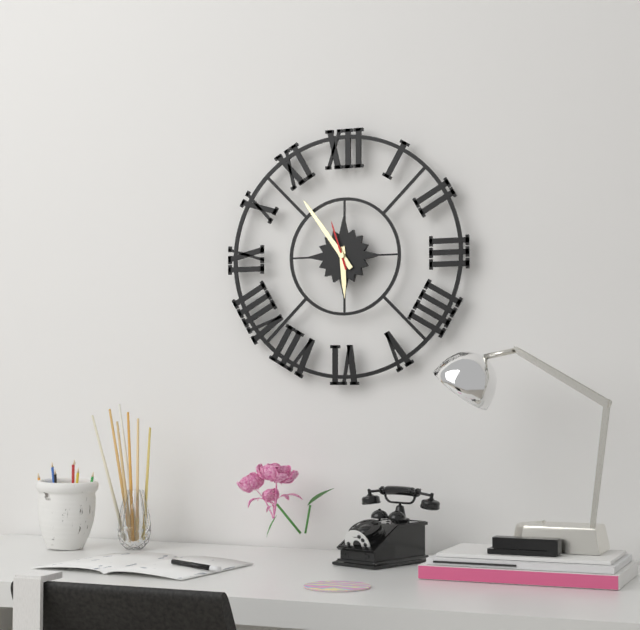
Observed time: 5:54
